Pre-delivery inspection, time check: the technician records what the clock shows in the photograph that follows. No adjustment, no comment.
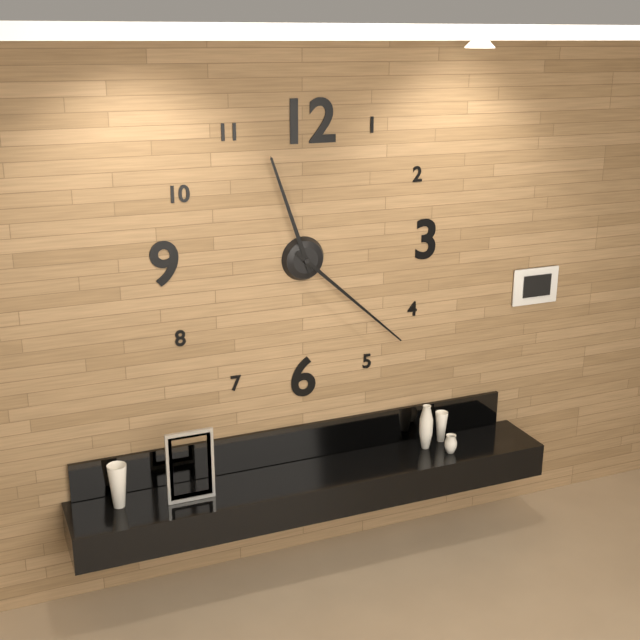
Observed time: 11:22
